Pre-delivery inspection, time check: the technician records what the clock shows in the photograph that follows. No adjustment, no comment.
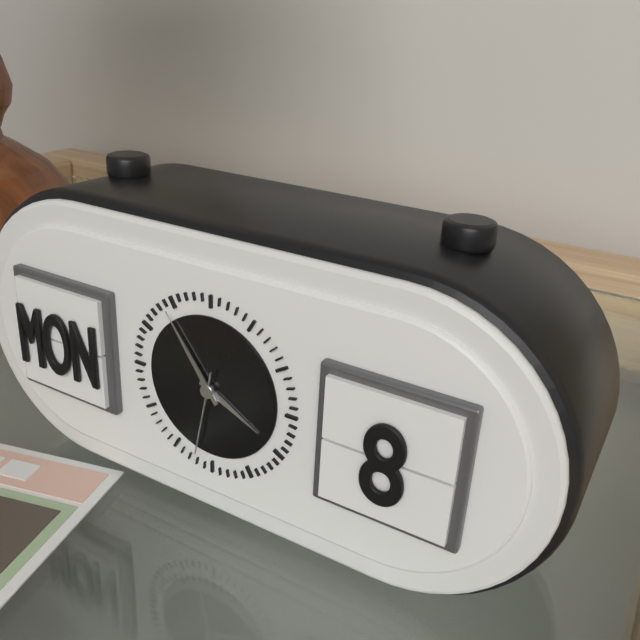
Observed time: 3:54:32
